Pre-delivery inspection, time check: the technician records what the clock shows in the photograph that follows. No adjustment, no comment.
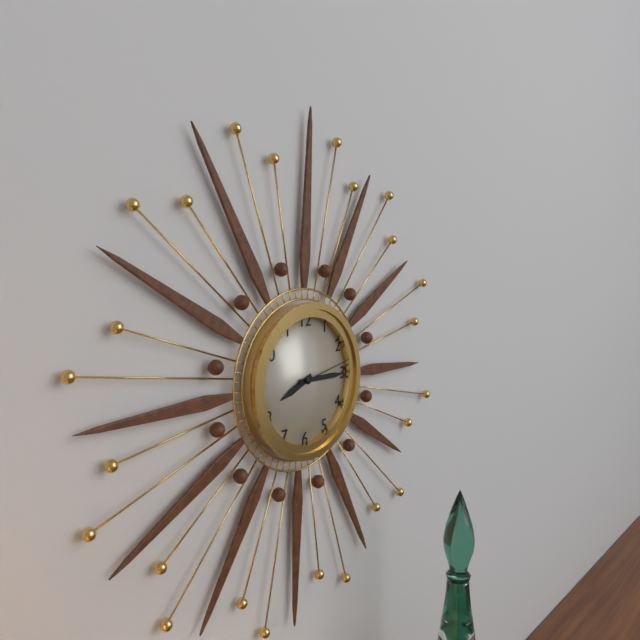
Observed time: 8:15:13
